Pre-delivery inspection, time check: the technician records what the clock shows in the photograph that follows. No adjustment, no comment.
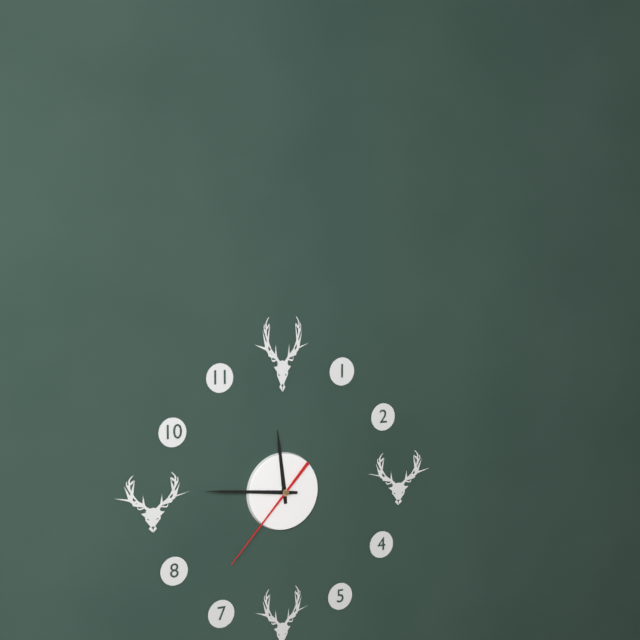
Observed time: 11:46:37
